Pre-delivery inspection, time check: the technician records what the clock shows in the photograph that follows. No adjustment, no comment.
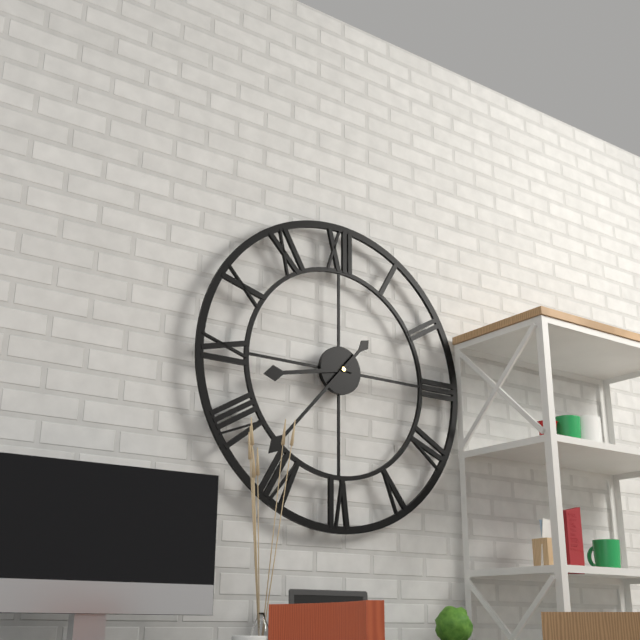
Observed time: 8:37
